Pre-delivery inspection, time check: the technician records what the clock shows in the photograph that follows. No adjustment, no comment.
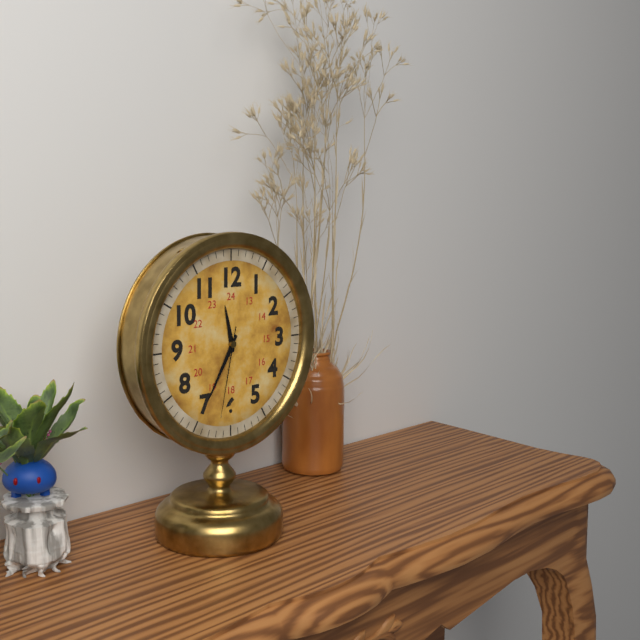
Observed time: 11:35:32
